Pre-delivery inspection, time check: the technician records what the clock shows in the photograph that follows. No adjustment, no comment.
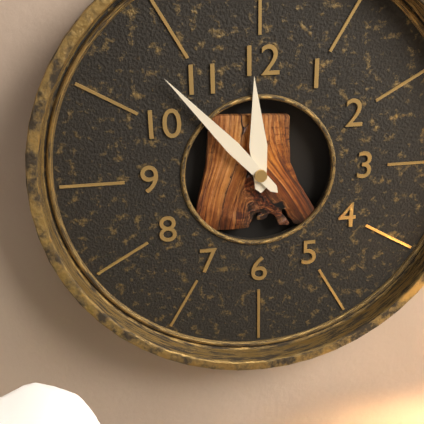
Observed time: 11:53
